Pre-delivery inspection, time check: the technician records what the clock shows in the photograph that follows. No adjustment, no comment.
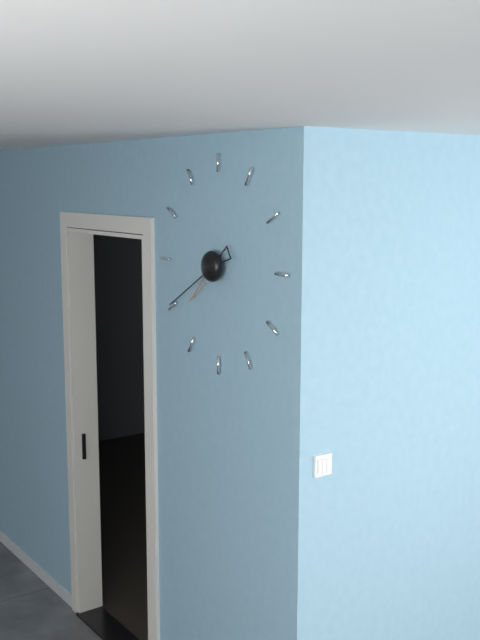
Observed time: 7:40
